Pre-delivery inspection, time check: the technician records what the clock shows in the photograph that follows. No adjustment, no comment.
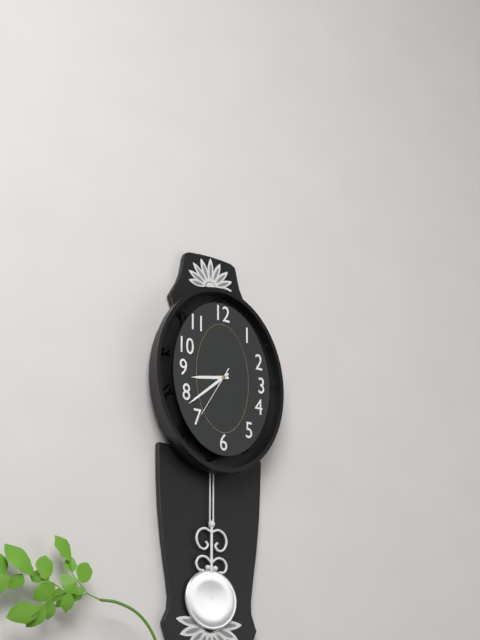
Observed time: 8:38:35
